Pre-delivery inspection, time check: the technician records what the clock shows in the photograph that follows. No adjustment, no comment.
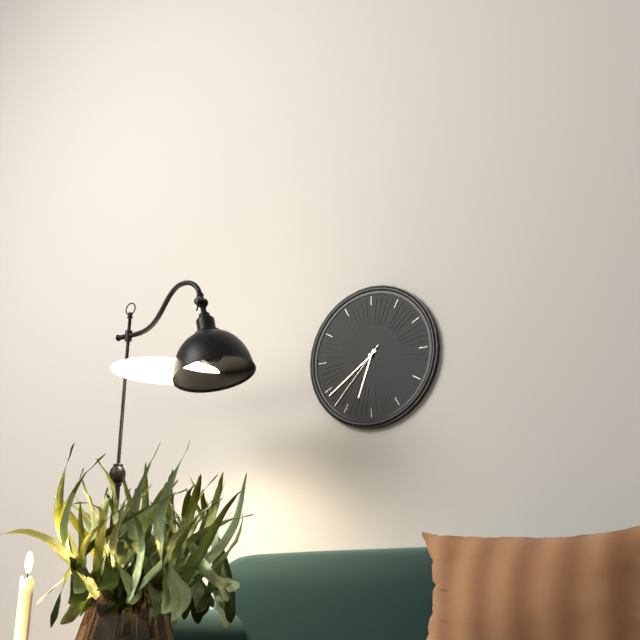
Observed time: 6:39:37
